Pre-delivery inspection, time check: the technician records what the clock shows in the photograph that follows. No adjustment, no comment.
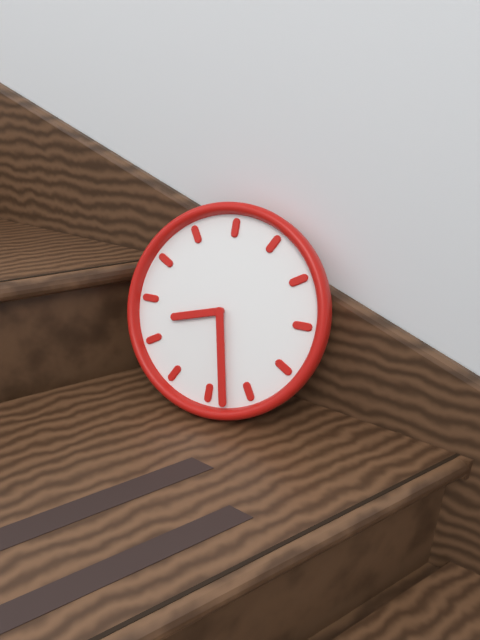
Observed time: 8:28
